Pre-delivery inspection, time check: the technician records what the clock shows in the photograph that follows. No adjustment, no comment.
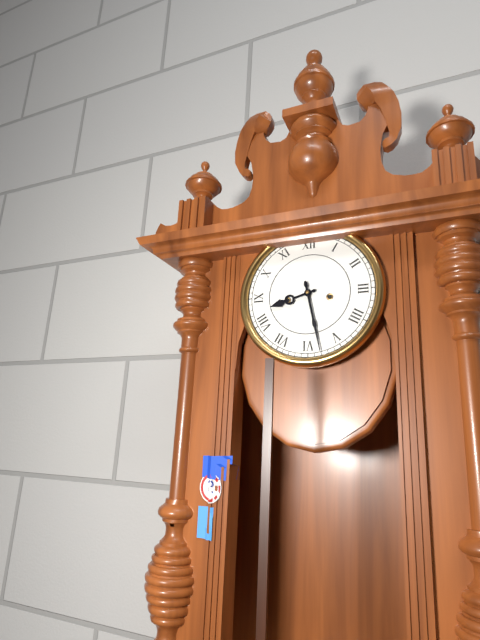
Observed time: 8:28
